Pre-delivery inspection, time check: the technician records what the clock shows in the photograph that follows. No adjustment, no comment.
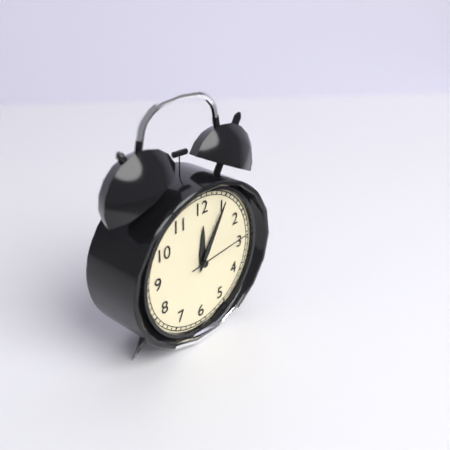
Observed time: 12:05:14
